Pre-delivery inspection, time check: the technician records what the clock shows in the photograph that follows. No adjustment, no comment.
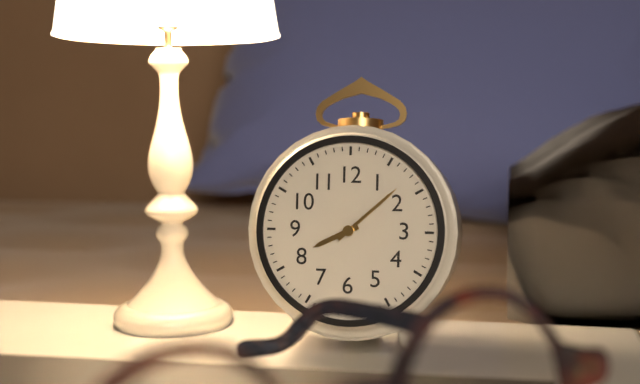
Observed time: 8:08
